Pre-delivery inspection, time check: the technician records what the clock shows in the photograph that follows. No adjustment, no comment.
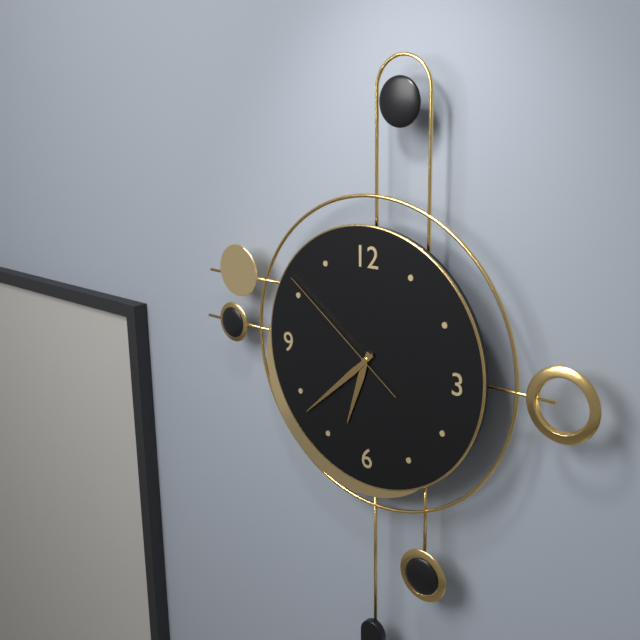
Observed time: 6:38:51
